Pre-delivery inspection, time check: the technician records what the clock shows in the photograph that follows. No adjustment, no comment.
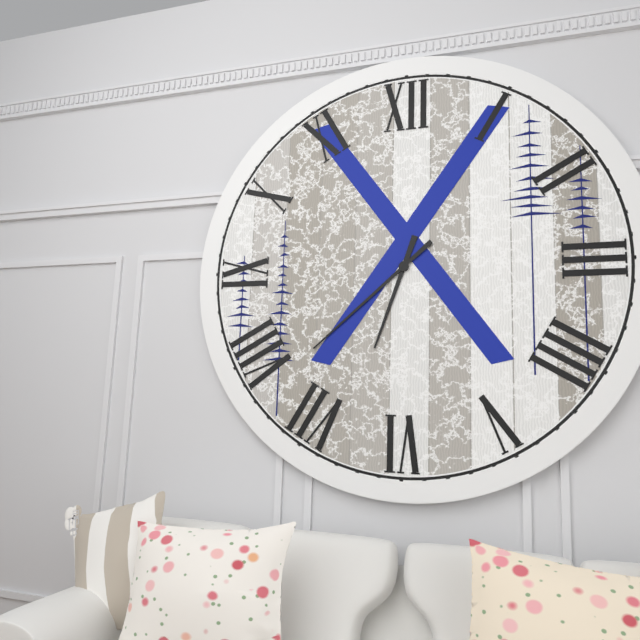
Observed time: 6:38
